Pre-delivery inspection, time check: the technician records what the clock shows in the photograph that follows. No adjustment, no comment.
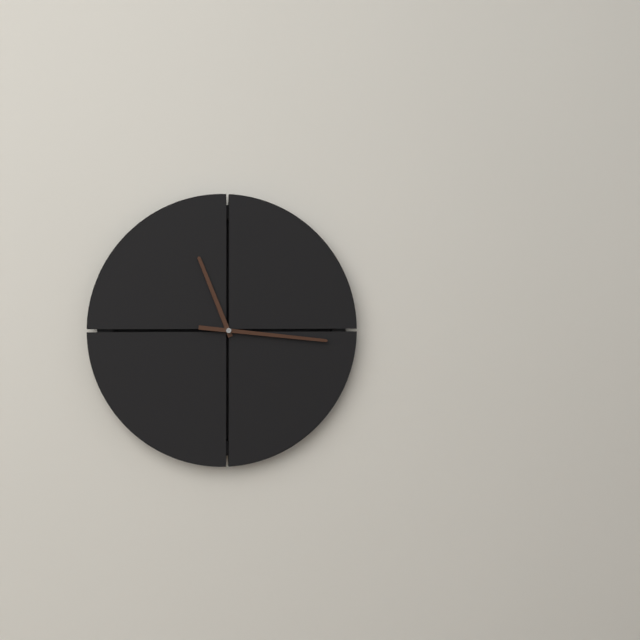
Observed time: 11:16
